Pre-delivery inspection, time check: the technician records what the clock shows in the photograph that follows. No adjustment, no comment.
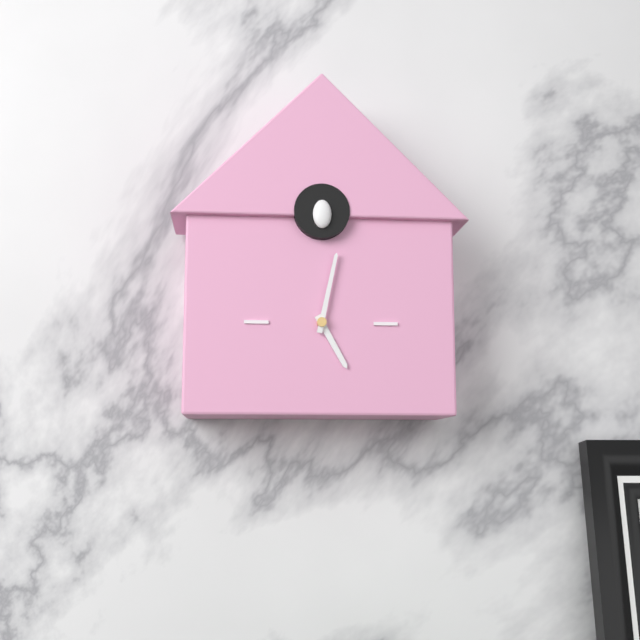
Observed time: 5:02
